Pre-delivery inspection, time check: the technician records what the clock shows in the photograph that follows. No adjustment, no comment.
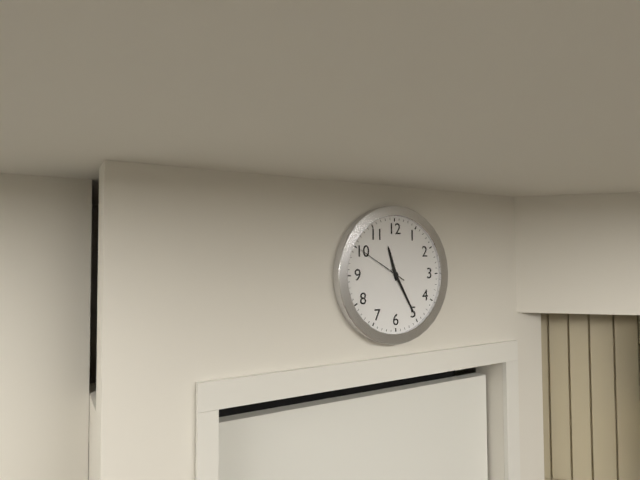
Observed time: 11:25:50
